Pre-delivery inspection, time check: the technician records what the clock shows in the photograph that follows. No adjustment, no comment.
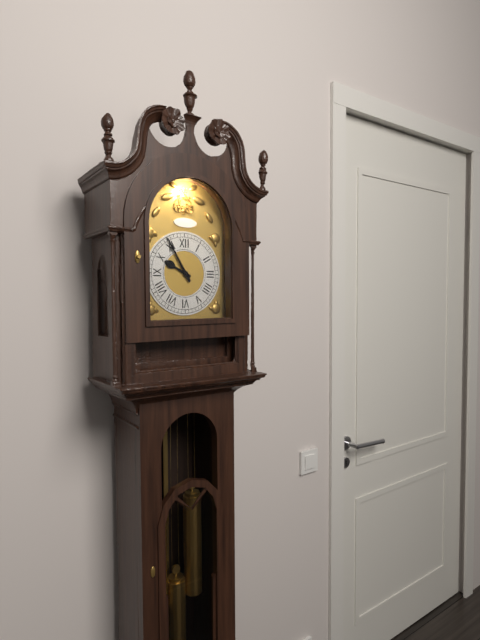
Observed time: 9:55
